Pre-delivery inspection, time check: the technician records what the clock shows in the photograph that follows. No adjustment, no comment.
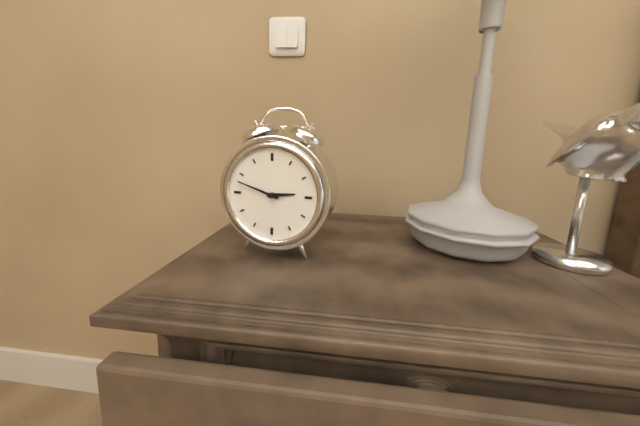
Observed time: 2:48
